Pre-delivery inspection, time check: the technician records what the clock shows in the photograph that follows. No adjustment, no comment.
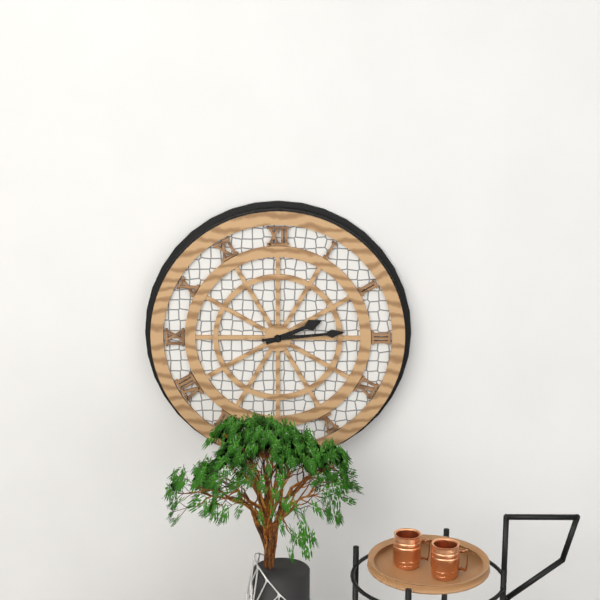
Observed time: 2:14
